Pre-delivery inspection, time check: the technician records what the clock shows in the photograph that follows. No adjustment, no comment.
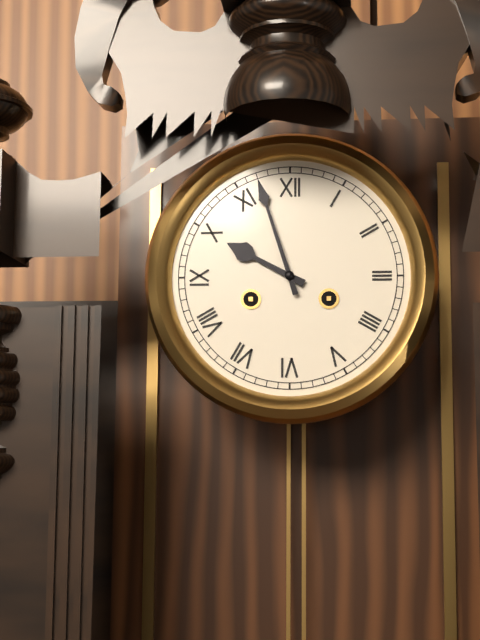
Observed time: 9:57
